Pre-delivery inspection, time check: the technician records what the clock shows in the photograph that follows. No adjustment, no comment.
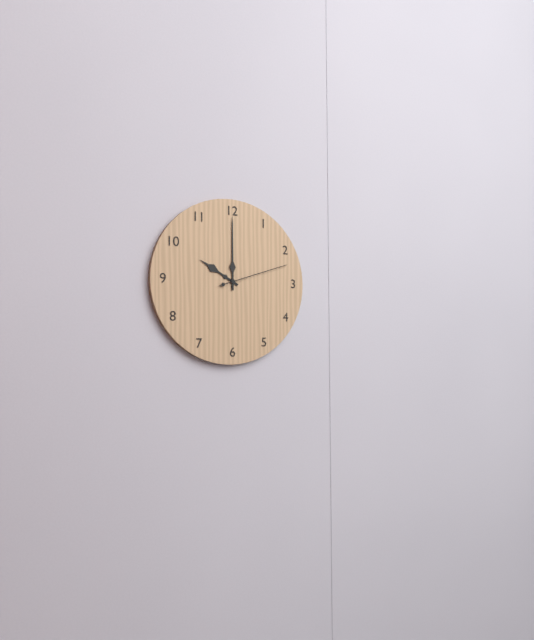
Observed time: 10:00:12
